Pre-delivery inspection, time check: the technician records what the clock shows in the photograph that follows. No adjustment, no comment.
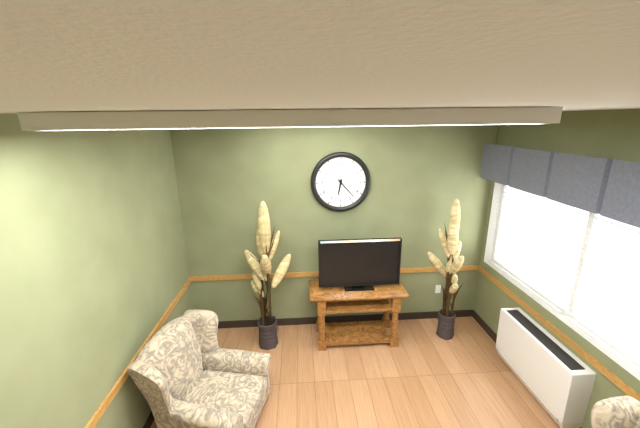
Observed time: 6:23
